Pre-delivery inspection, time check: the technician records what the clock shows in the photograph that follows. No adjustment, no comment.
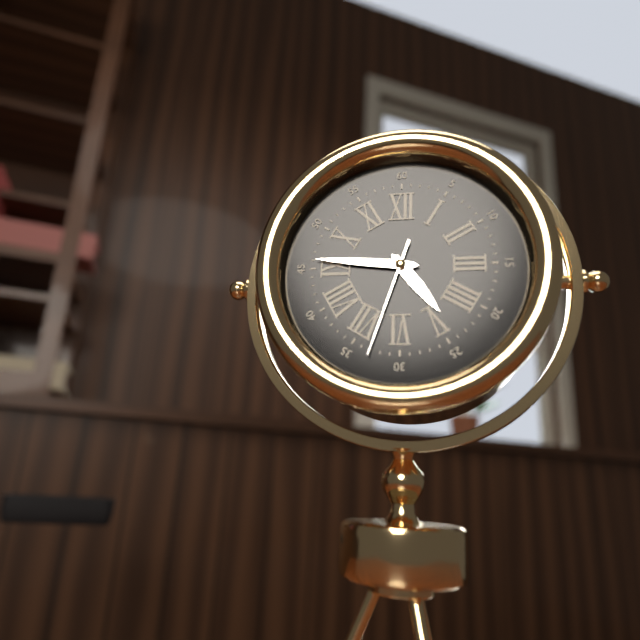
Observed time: 4:46:33
